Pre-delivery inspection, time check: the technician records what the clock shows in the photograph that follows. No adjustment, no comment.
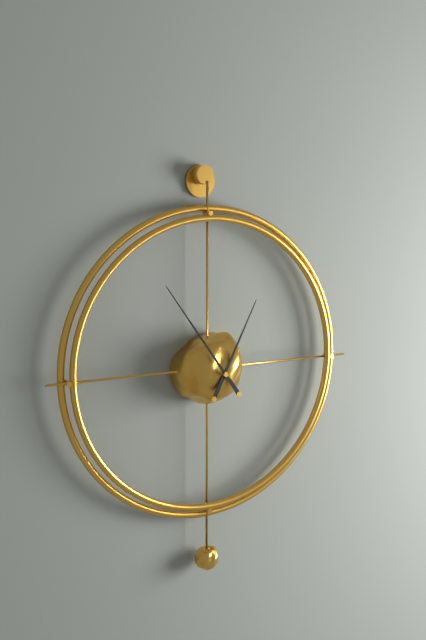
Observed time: 12:54
